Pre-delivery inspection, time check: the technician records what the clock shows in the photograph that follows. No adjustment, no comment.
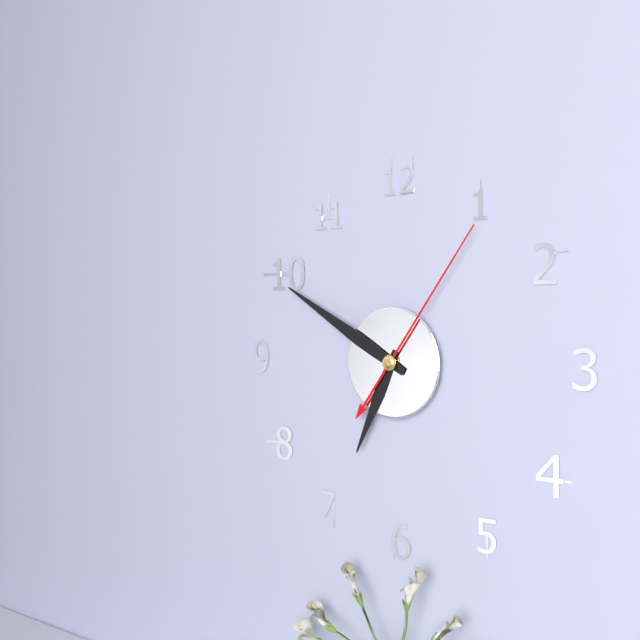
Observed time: 6:50:06
